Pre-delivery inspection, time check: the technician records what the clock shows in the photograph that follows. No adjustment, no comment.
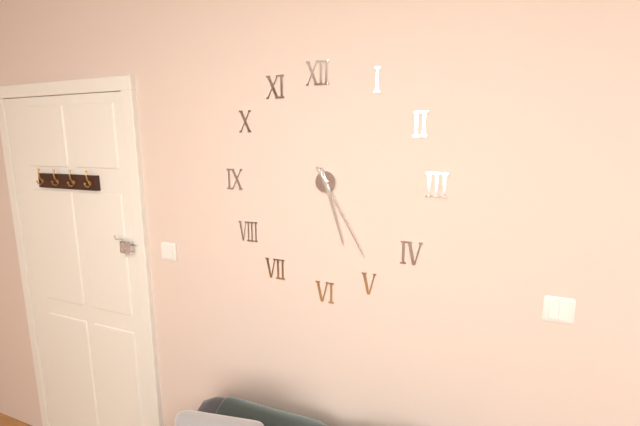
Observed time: 5:25
